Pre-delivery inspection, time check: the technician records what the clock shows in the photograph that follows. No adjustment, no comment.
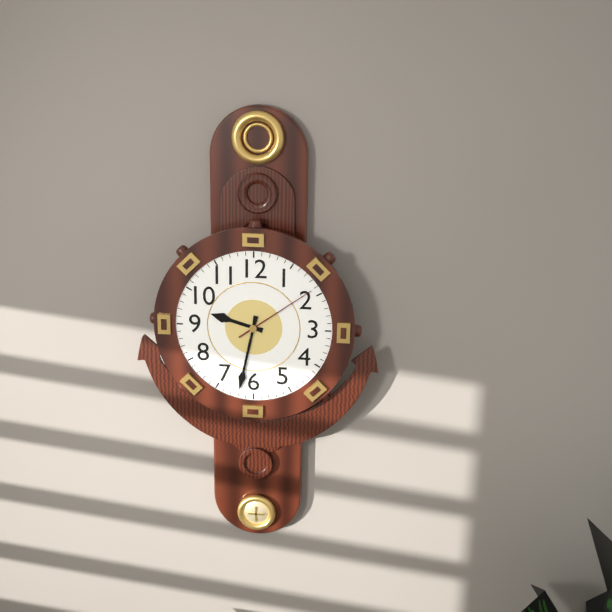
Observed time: 9:32:09
